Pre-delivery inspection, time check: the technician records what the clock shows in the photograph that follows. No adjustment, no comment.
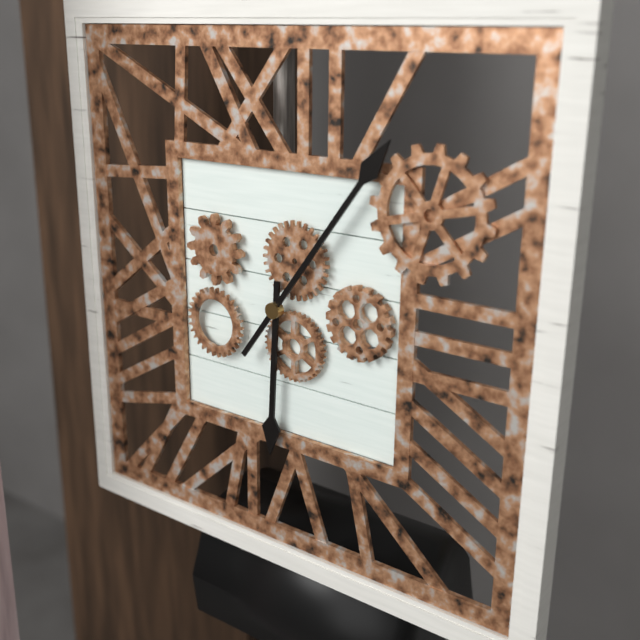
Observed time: 6:06
